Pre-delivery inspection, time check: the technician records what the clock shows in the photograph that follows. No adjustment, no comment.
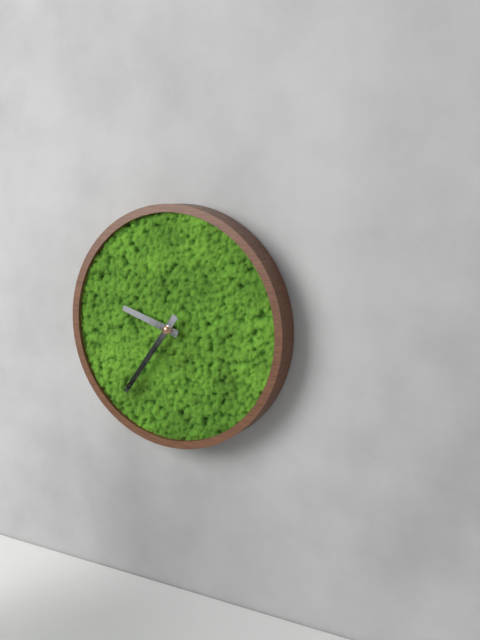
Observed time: 9:36
